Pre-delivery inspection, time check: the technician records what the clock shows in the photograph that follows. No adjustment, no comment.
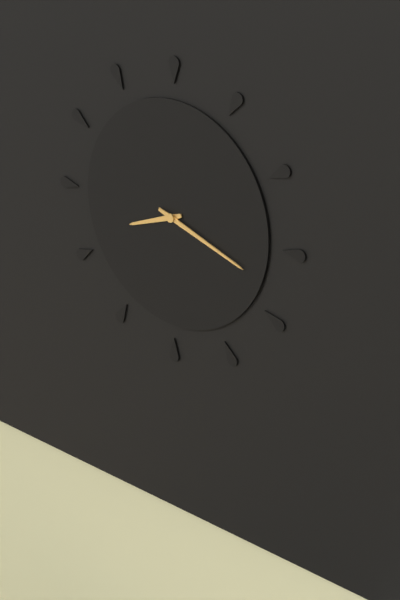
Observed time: 8:18
